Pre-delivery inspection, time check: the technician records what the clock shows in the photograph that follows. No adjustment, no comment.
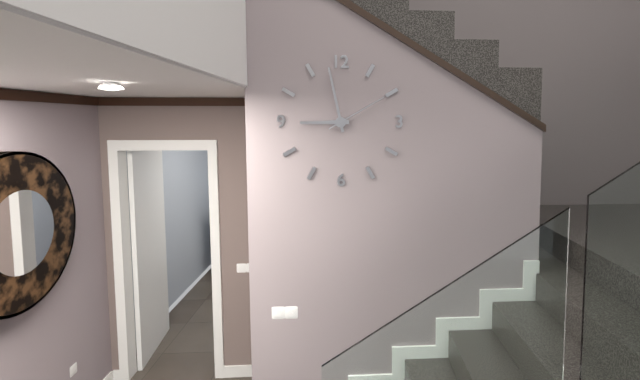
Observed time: 8:58:10
